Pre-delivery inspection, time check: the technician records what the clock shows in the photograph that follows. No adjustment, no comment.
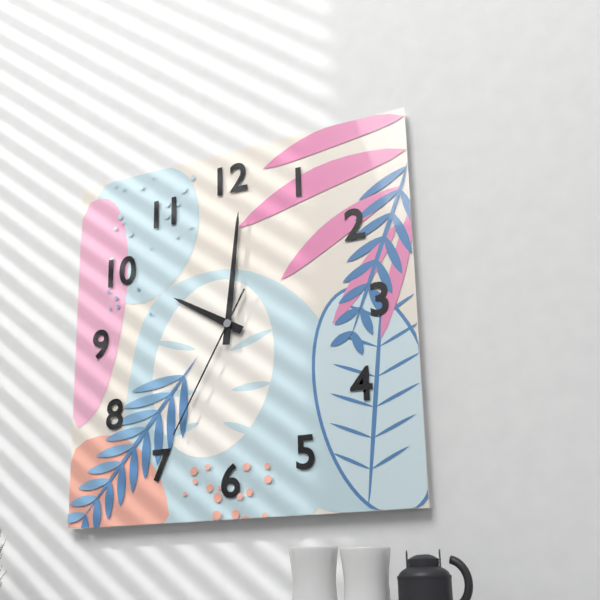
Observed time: 10:01:35
